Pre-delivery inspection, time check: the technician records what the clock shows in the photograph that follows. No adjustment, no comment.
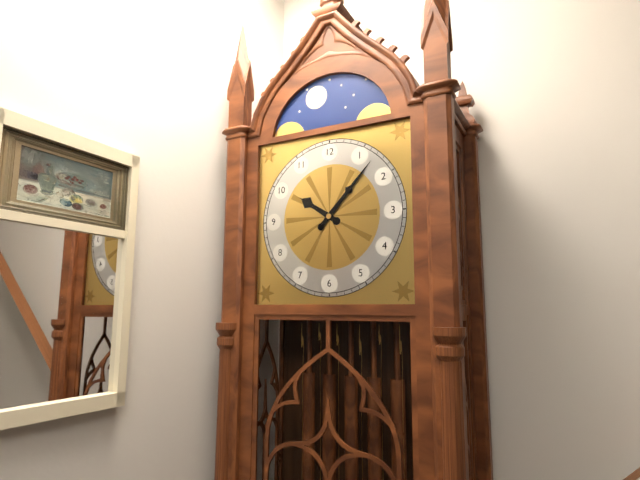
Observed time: 10:07
